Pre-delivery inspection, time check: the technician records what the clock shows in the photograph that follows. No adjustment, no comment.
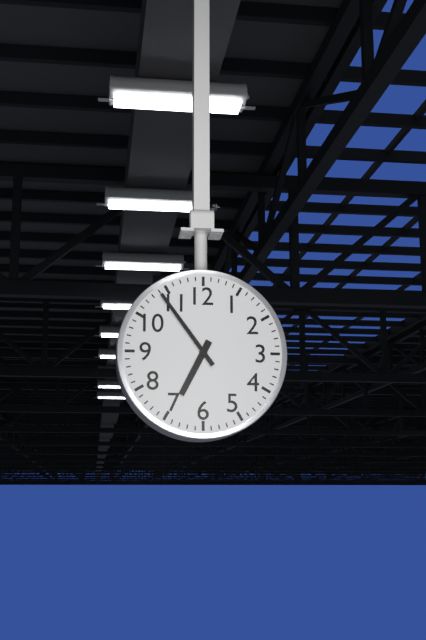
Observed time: 6:54
